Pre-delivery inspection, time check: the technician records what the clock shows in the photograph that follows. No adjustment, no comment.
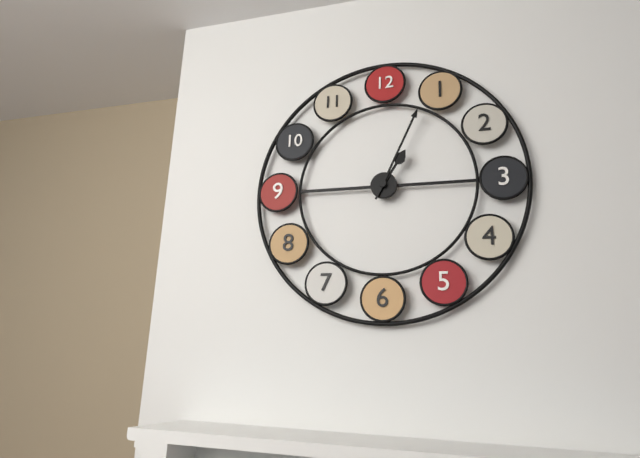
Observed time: 1:04
